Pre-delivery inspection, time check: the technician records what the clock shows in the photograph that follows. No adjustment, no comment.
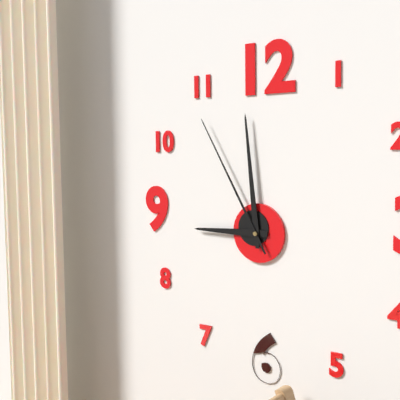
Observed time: 8:59:55
